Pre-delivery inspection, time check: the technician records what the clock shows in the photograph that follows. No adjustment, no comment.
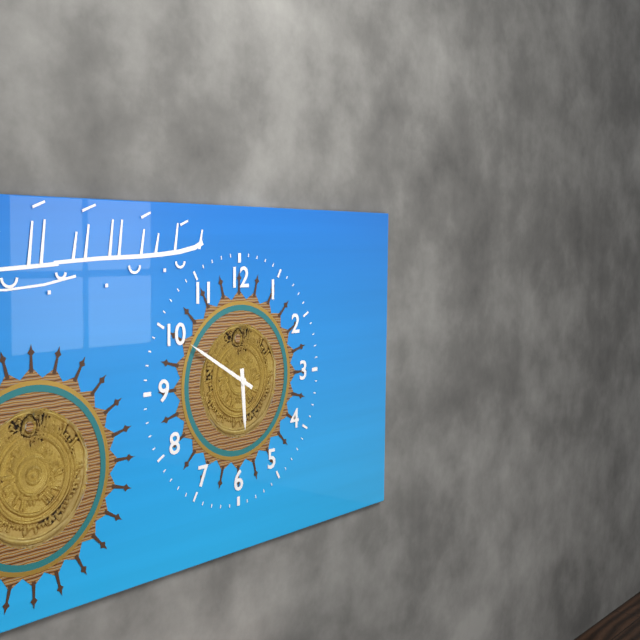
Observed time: 5:50
